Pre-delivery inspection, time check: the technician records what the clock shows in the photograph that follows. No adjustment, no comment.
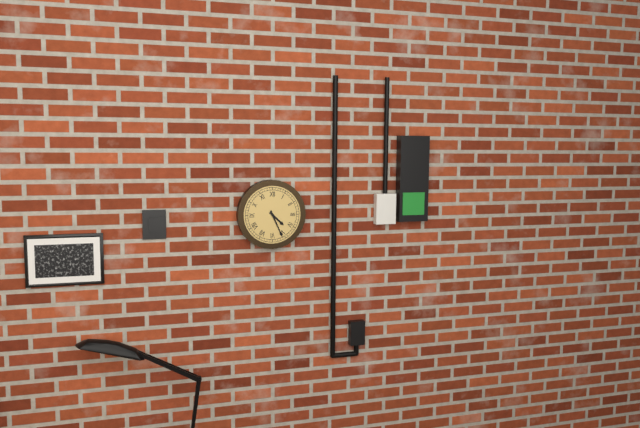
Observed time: 4:26
